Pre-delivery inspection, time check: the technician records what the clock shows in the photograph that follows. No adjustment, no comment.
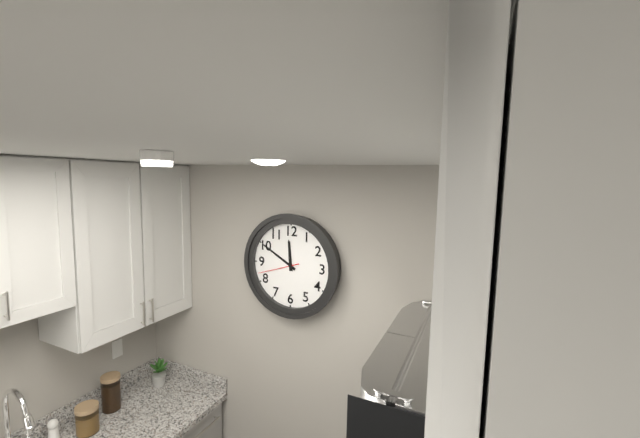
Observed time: 11:50
